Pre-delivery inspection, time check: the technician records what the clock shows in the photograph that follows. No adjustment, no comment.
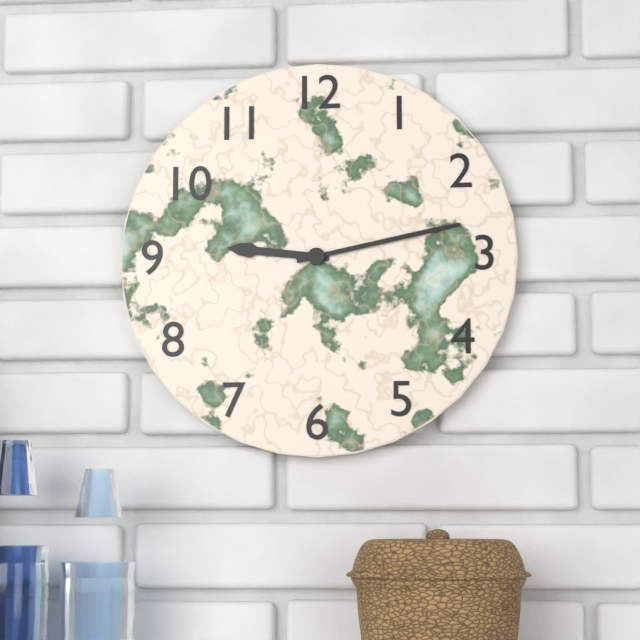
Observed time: 9:13
